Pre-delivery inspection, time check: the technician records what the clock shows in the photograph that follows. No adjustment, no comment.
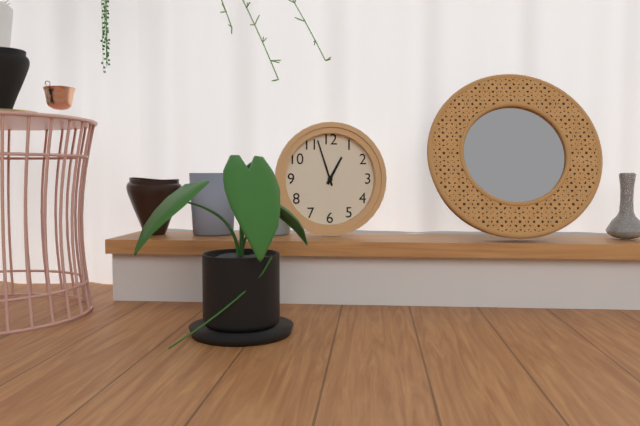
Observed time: 12:57
